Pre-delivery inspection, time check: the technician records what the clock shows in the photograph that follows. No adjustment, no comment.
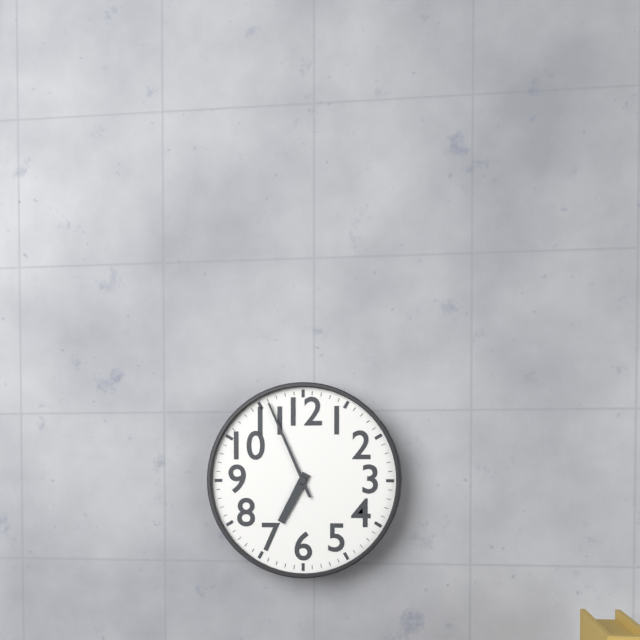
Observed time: 6:56
